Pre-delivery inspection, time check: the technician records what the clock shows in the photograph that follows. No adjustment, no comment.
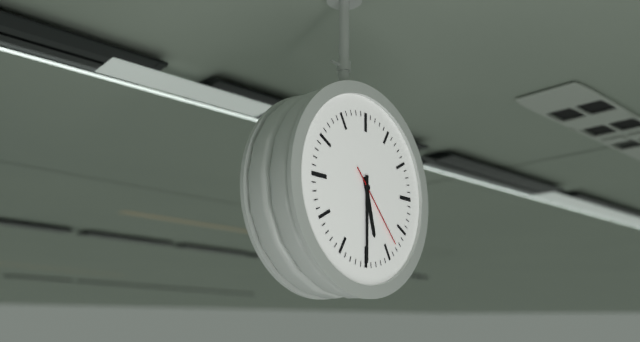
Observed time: 5:30:23
